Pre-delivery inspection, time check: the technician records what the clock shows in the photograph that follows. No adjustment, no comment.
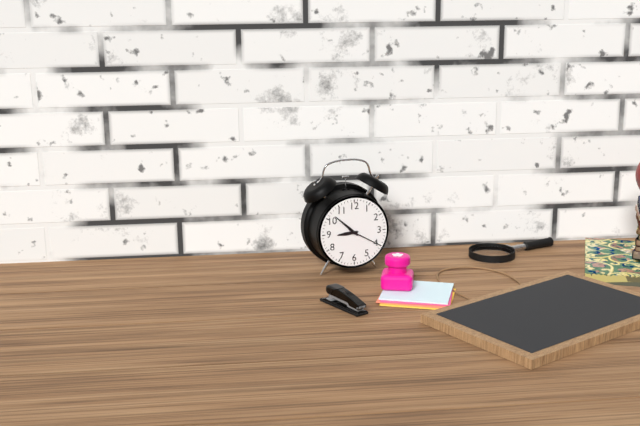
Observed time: 8:52
